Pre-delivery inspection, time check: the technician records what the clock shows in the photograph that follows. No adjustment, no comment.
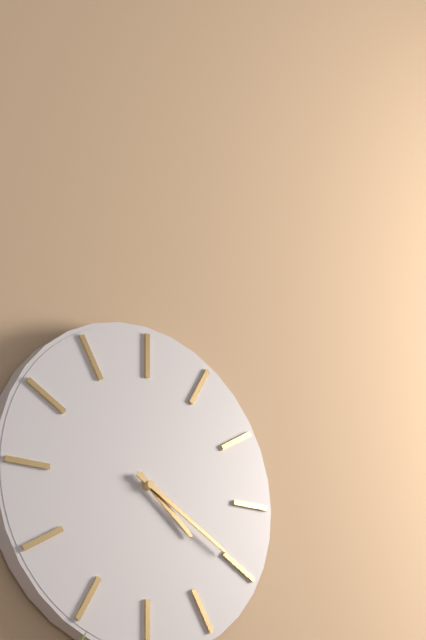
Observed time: 4:20
